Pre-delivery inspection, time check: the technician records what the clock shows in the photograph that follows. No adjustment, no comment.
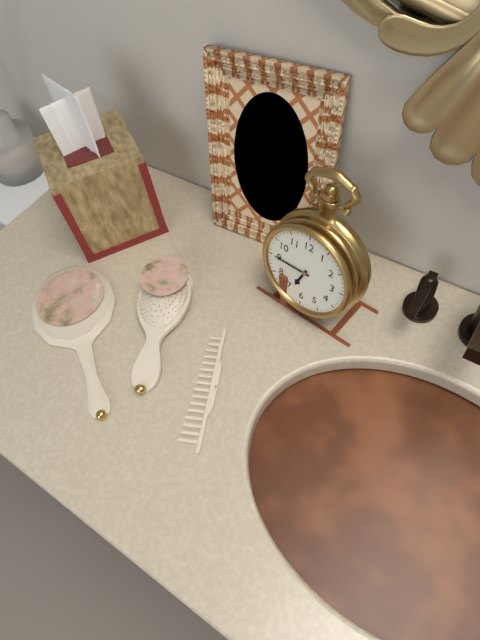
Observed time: 6:45
